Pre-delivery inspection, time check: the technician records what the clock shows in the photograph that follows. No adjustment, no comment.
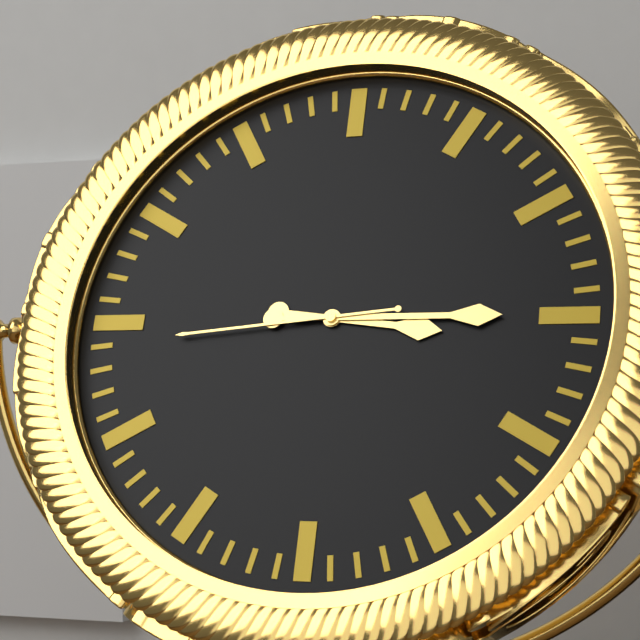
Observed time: 3:15:44
